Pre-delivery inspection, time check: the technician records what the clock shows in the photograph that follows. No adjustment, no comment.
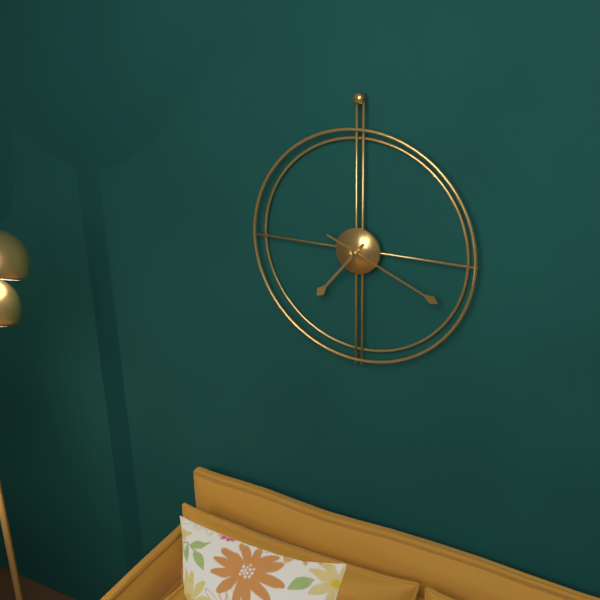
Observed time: 7:19
